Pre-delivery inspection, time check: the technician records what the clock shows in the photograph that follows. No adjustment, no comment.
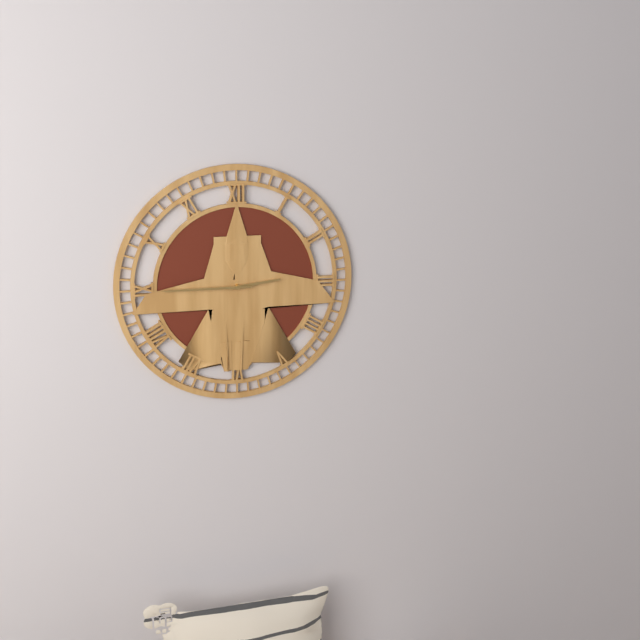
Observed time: 2:45
